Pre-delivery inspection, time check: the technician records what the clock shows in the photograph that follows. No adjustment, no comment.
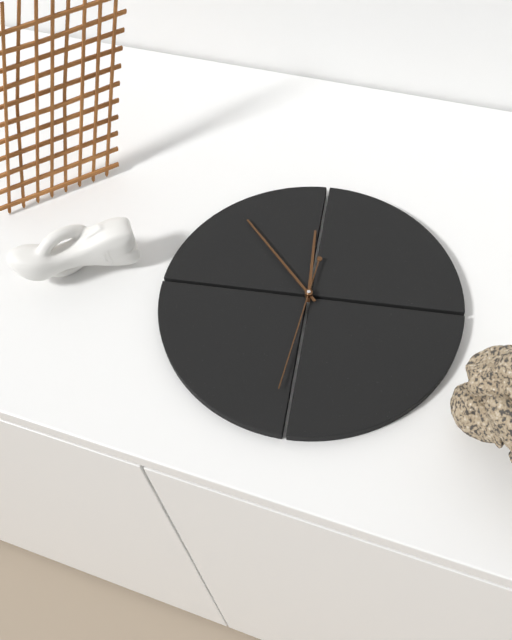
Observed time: 11:53:31
